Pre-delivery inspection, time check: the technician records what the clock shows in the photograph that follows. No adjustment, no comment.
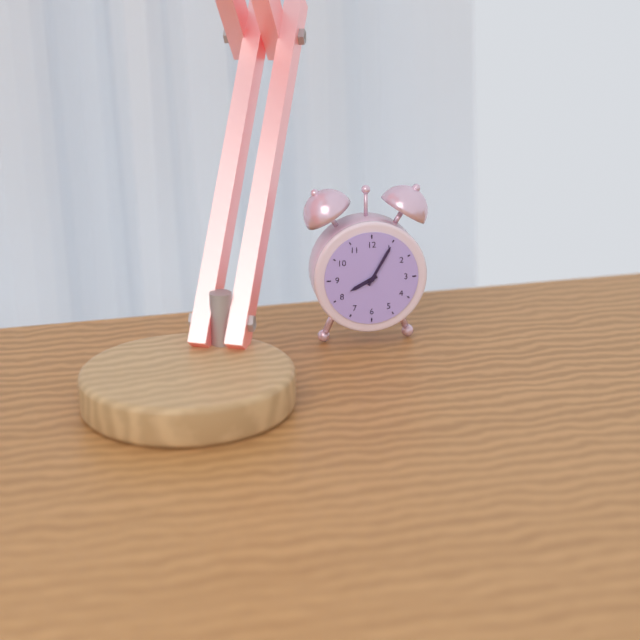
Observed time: 8:05
